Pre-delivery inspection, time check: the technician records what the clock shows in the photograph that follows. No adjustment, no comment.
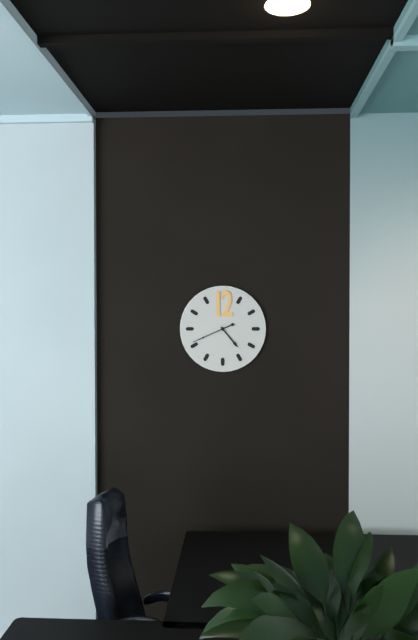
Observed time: 4:41
